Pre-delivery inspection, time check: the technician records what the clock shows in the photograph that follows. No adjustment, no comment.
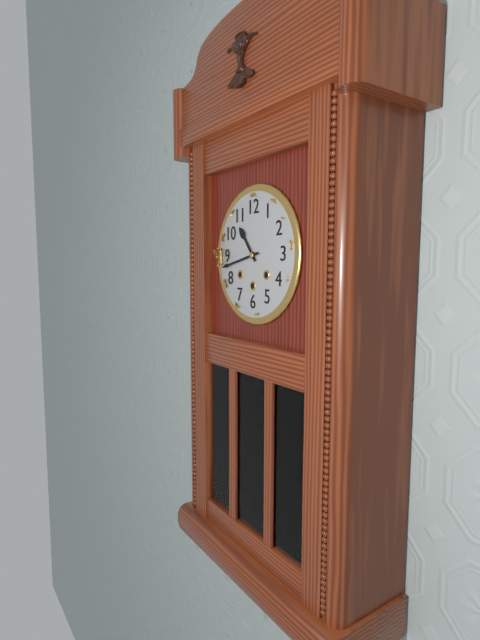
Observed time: 10:43
